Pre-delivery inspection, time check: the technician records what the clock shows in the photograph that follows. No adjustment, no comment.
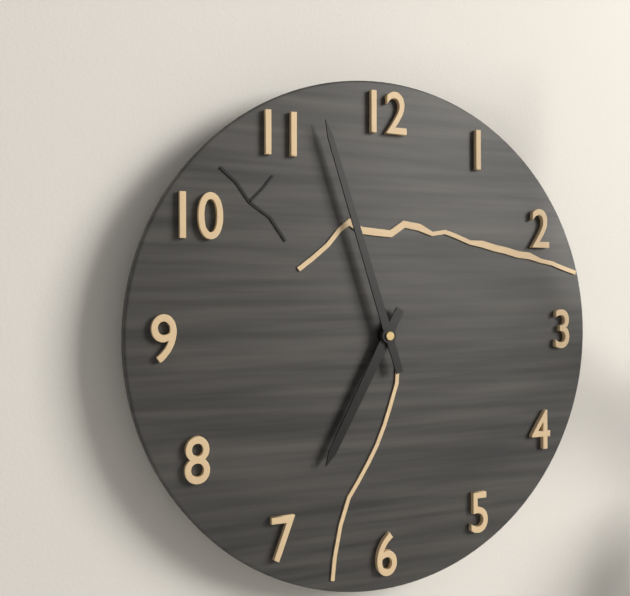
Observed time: 6:57
